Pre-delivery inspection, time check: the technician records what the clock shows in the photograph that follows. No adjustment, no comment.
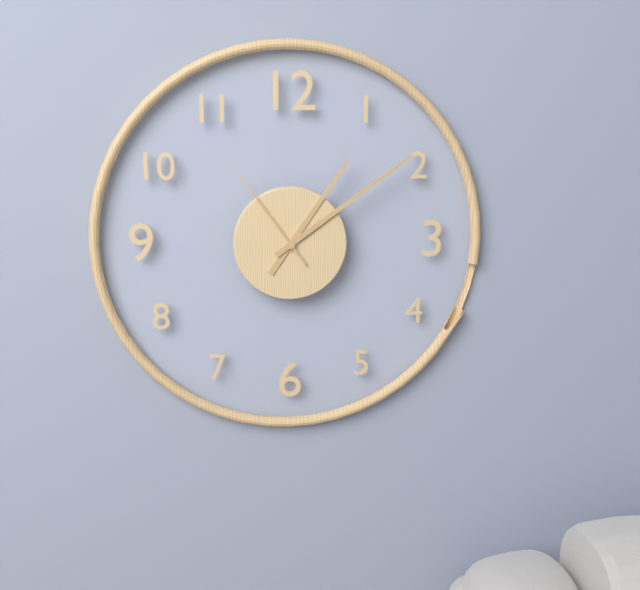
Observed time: 1:09:54
